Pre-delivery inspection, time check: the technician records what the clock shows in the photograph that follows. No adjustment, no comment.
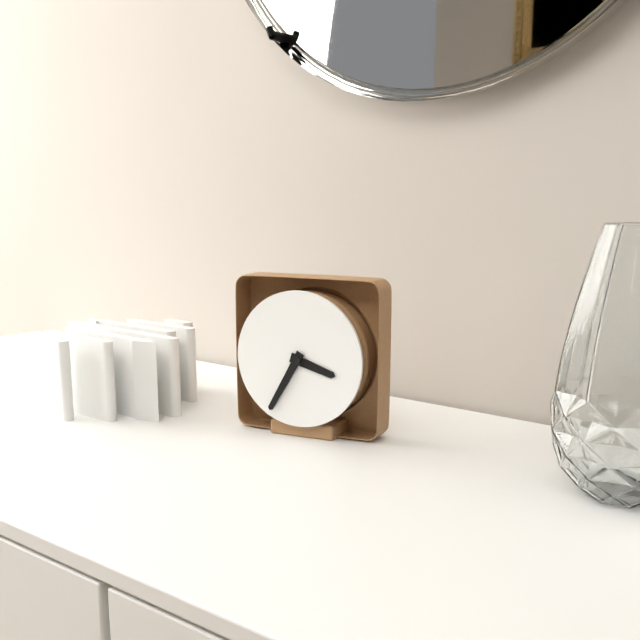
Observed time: 3:35
